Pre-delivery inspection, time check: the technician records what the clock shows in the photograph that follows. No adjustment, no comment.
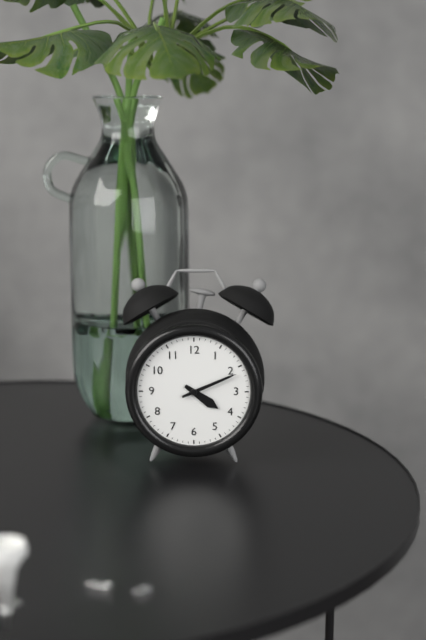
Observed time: 4:11
